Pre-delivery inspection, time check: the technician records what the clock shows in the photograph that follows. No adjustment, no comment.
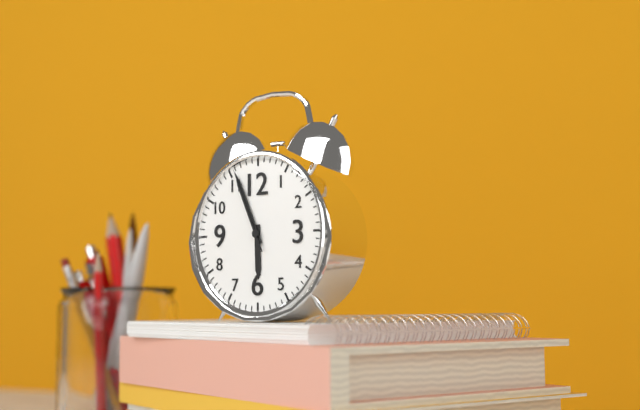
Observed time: 5:56:56
